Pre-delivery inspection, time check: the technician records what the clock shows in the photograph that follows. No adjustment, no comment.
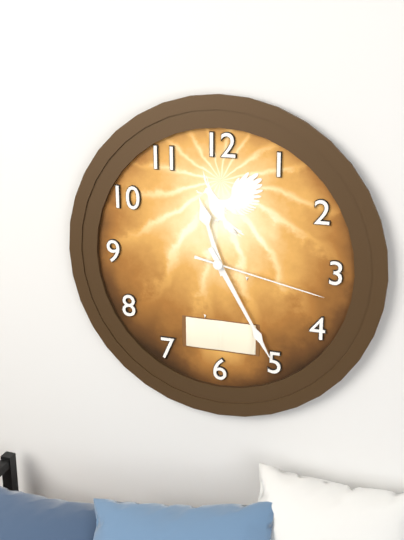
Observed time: 11:25:17
